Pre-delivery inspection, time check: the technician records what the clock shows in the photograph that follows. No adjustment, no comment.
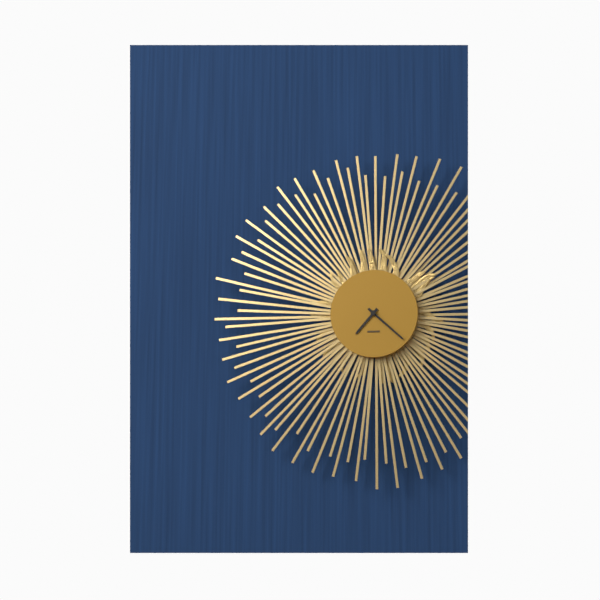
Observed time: 7:22
